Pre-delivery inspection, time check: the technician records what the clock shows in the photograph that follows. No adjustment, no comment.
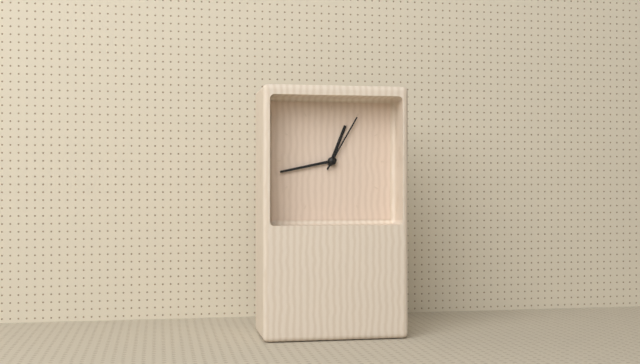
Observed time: 12:43:05
